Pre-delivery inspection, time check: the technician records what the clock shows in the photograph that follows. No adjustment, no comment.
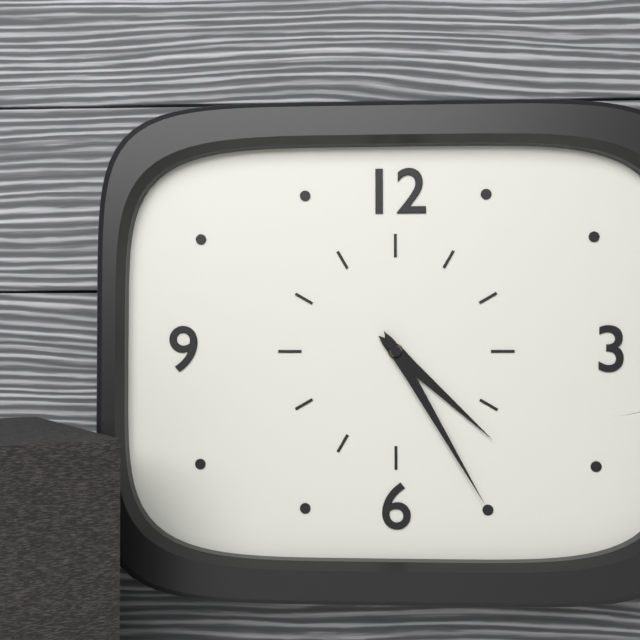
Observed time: 4:25
